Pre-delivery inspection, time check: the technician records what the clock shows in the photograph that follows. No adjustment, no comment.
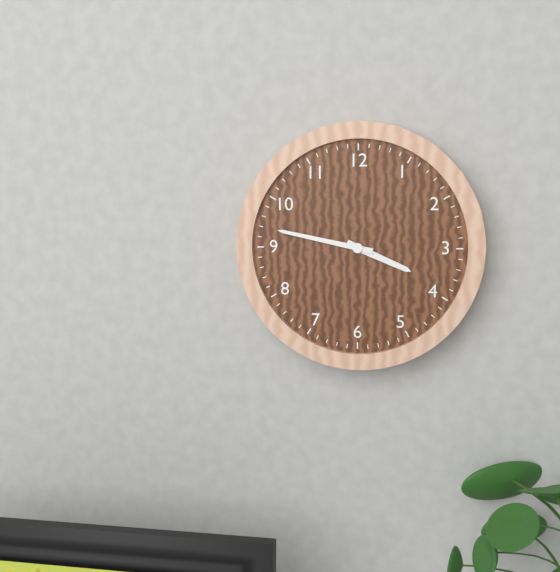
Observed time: 3:47
